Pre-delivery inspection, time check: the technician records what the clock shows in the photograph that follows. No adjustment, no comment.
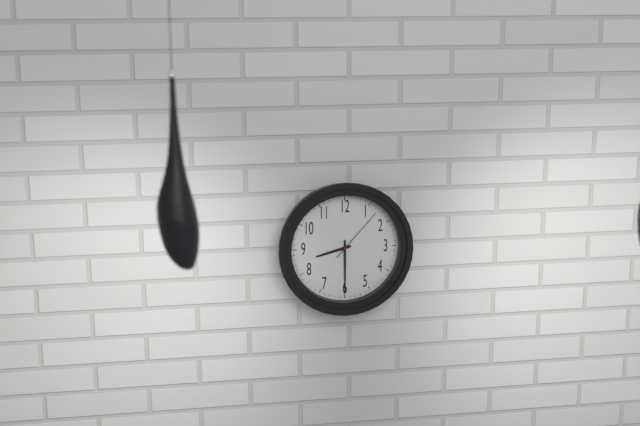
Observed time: 8:30:07
